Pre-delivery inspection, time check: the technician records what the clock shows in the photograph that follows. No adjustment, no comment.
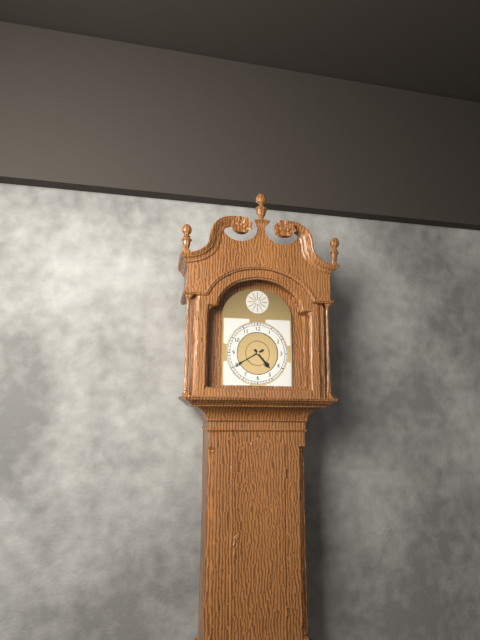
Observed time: 4:40
